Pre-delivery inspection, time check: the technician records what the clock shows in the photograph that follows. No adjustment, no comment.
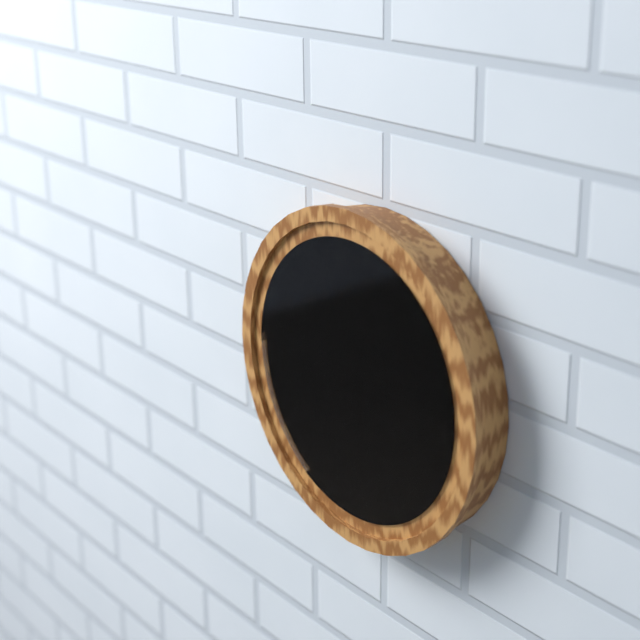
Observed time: 6:26:08
